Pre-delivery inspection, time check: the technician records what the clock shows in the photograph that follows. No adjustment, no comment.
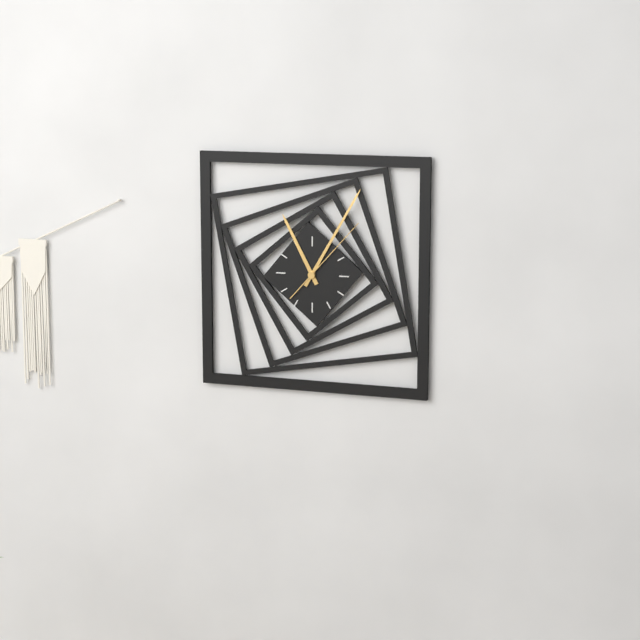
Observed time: 11:05:07
